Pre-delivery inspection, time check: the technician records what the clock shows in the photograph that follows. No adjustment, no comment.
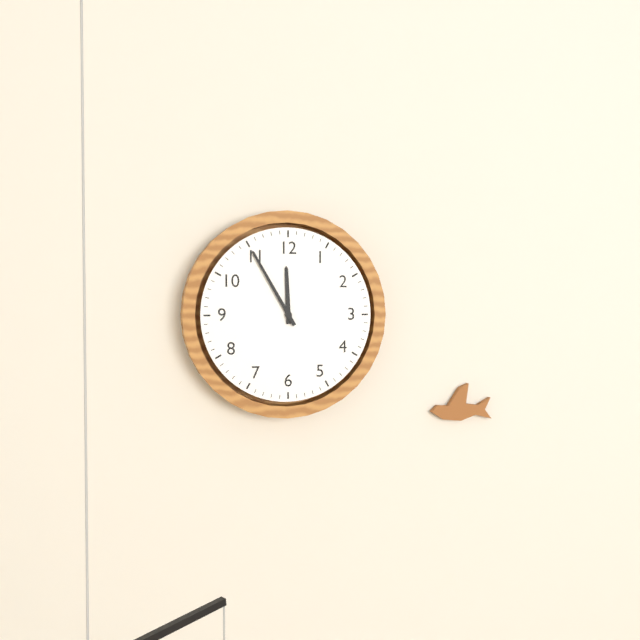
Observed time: 11:55
